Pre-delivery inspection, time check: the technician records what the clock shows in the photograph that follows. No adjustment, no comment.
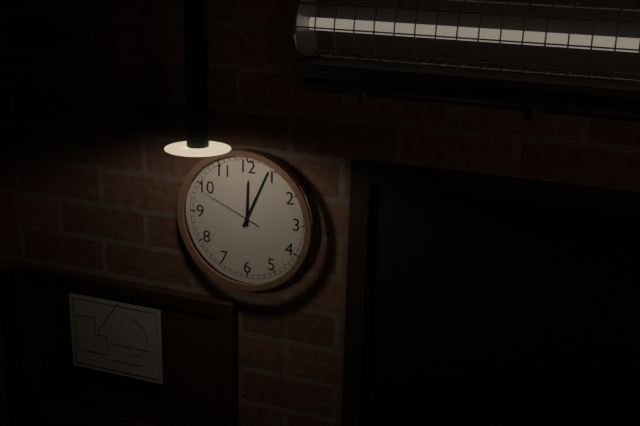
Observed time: 12:04:49
